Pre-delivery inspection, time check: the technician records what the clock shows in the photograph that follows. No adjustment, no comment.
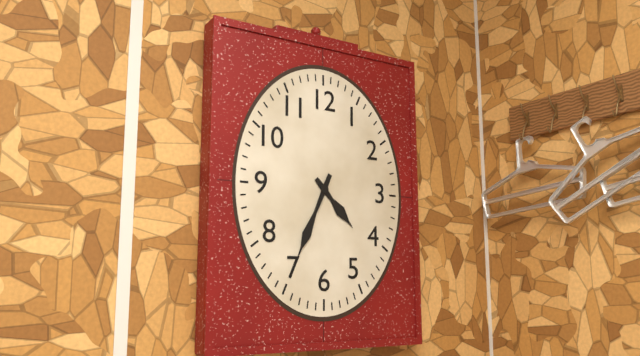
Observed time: 4:34
